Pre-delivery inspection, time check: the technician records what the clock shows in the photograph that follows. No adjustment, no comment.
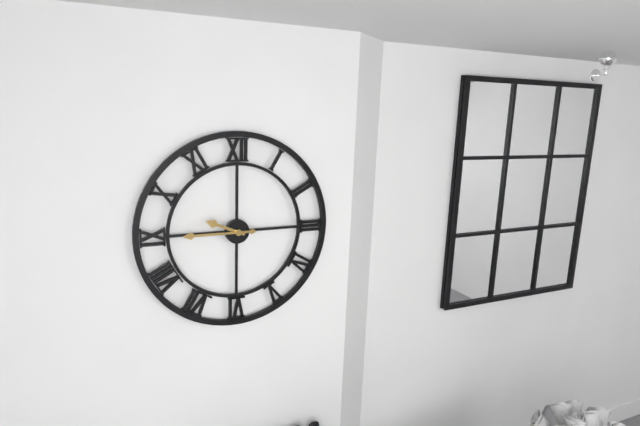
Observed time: 9:45
